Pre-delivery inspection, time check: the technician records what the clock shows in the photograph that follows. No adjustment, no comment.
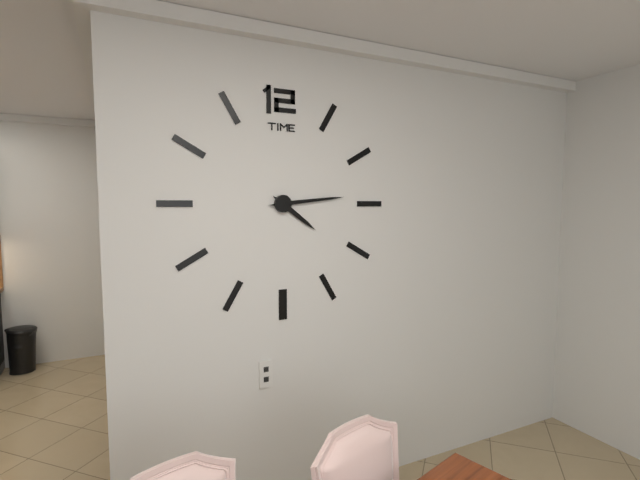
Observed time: 4:14
